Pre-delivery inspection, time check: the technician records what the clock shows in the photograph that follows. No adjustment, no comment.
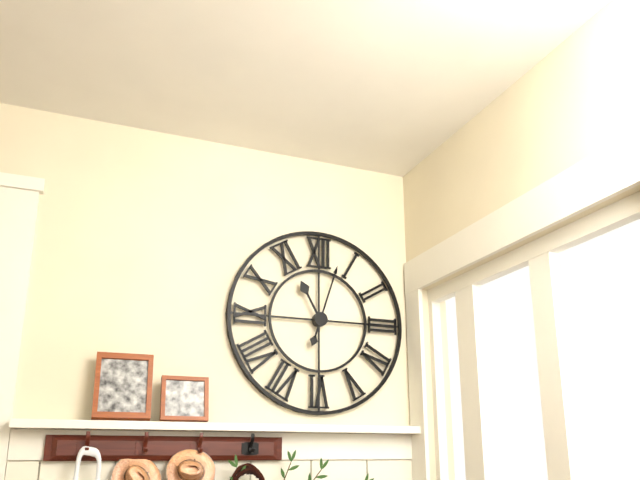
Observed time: 11:03
